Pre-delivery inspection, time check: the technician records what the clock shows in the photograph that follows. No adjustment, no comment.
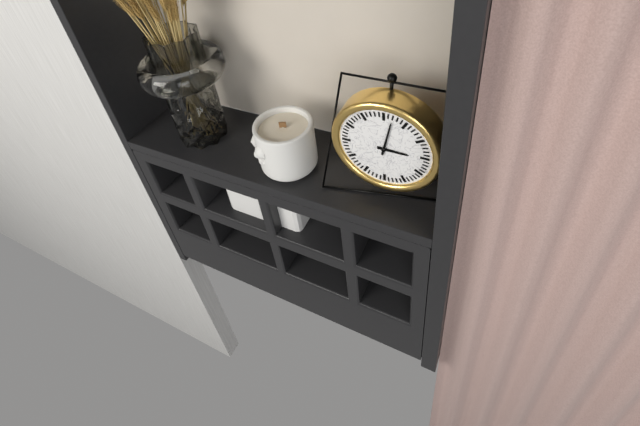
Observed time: 3:02
